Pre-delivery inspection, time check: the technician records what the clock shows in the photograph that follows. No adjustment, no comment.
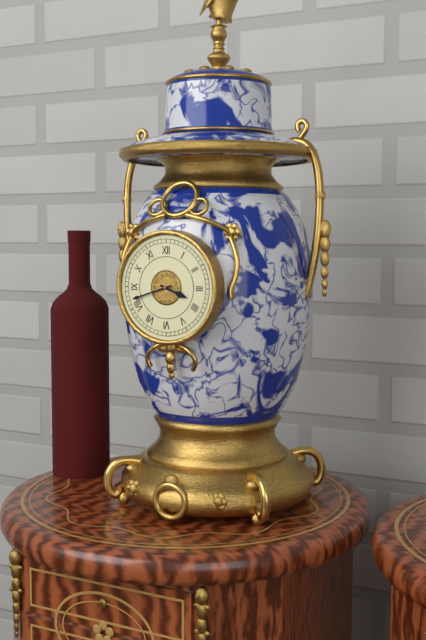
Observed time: 3:42
